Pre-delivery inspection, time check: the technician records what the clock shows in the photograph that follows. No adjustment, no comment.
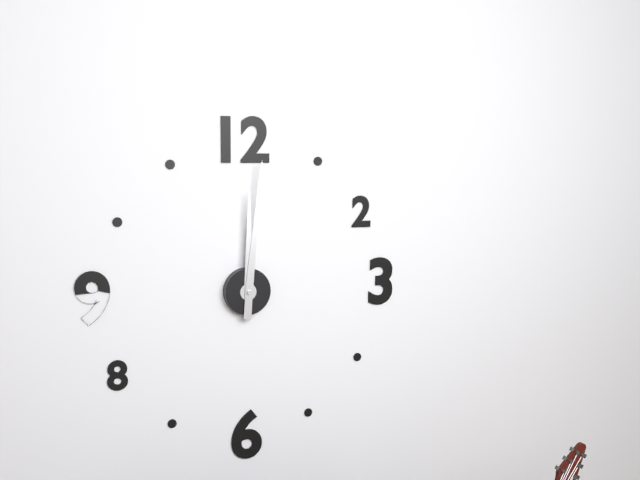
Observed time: 12:01
